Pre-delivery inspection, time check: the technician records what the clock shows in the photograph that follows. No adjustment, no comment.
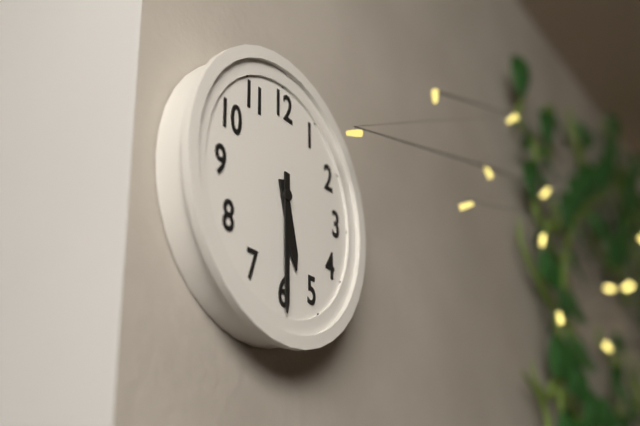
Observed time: 5:30
